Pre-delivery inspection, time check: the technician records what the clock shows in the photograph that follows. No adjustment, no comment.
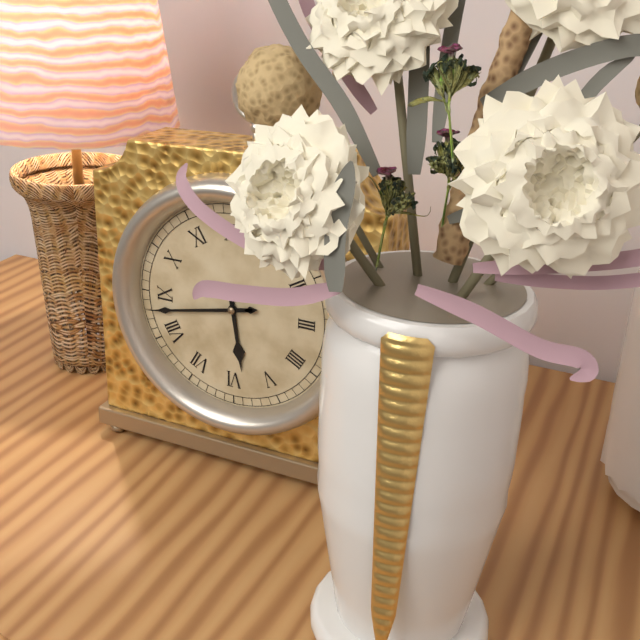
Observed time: 5:43
